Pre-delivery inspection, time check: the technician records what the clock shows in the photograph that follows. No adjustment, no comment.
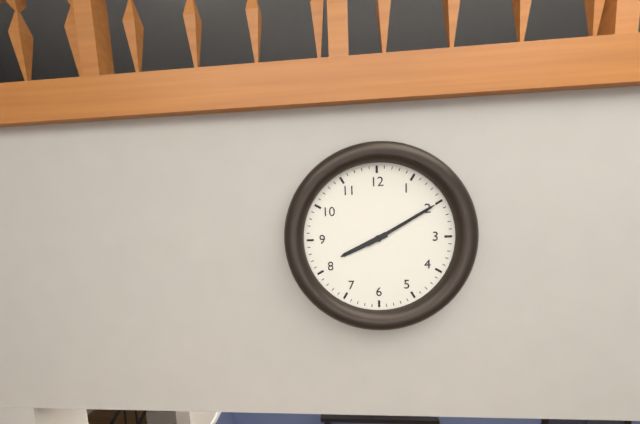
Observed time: 8:10
